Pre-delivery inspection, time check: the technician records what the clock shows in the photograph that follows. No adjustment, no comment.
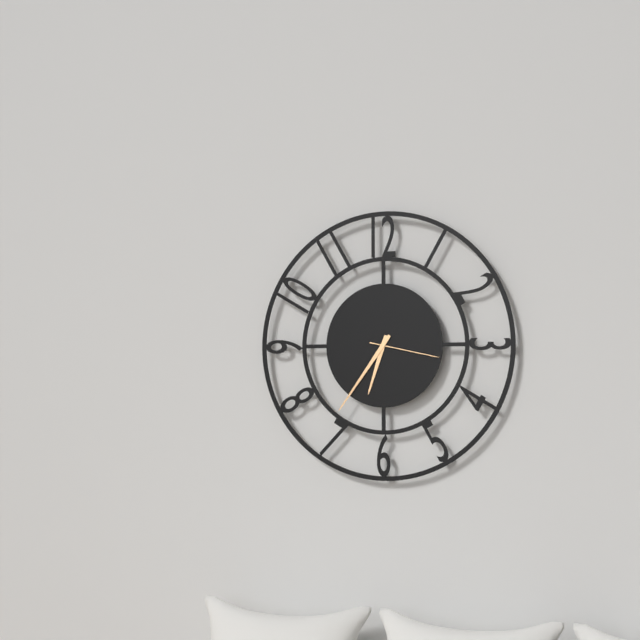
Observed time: 6:36:17
